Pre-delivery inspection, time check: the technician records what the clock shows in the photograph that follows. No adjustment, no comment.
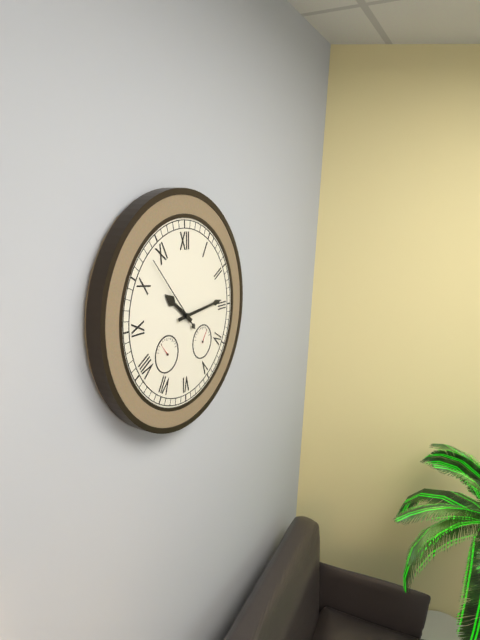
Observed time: 10:14:53
